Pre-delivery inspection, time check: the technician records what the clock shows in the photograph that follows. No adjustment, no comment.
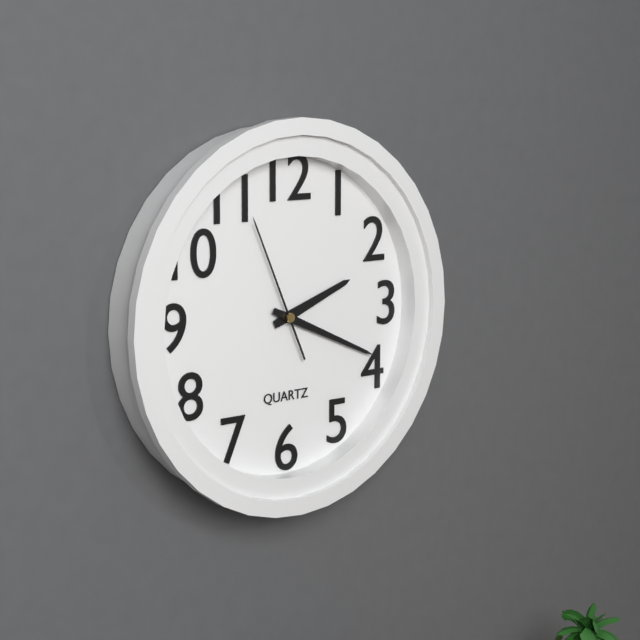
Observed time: 2:19:56
